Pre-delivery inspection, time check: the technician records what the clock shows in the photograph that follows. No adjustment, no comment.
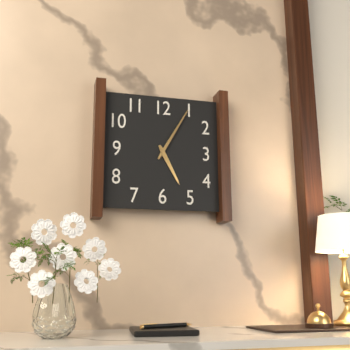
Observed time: 5:05
